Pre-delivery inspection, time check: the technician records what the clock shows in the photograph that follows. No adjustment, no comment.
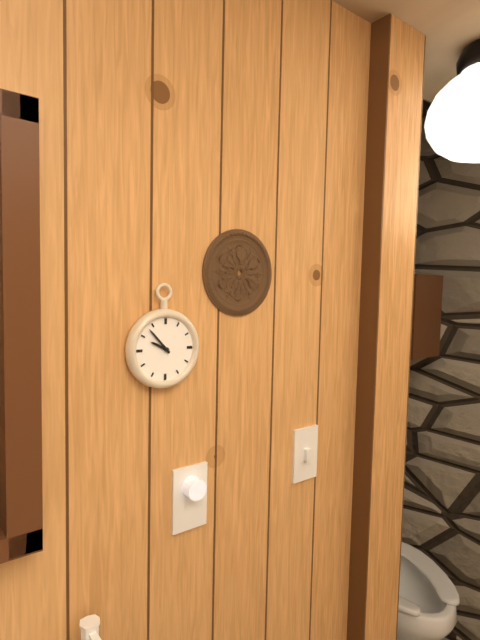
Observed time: 9:53
